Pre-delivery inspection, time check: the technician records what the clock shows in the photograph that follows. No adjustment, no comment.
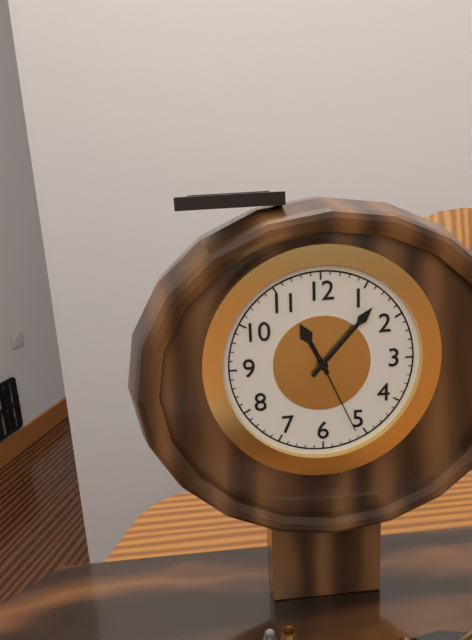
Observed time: 11:07:26
